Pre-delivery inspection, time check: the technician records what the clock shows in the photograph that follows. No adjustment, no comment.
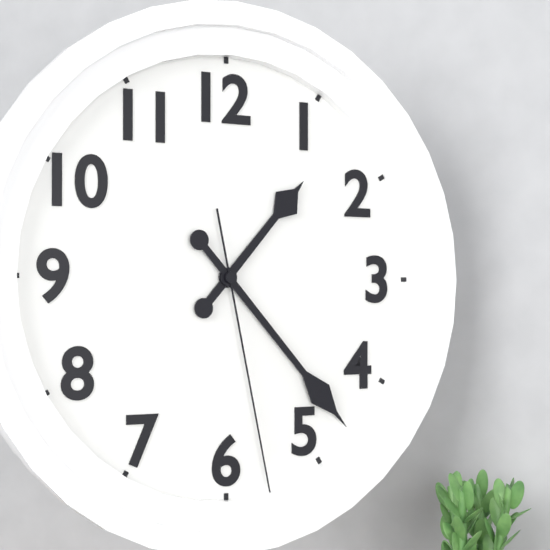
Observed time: 1:23:28
